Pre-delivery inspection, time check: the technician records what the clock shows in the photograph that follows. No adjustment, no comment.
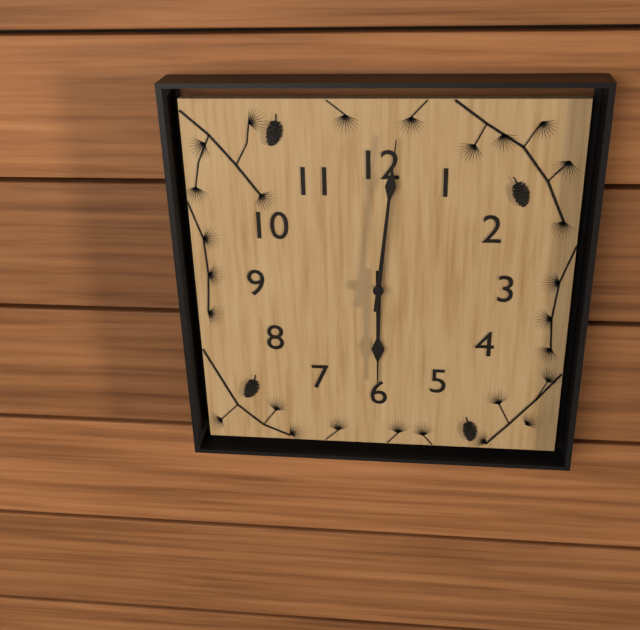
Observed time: 6:01
